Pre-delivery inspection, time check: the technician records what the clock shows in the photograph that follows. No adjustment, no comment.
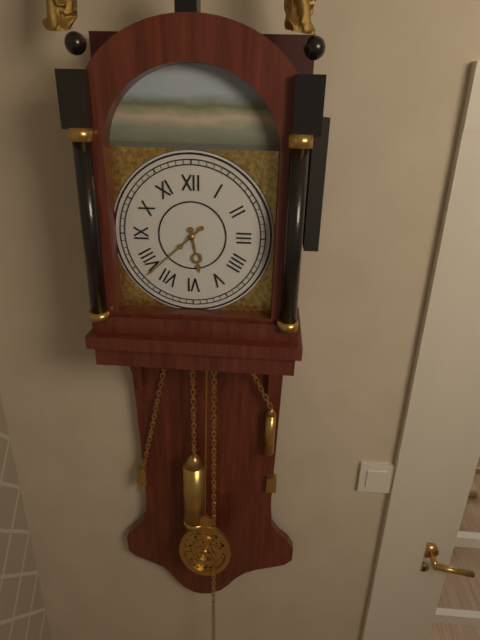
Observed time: 5:38
